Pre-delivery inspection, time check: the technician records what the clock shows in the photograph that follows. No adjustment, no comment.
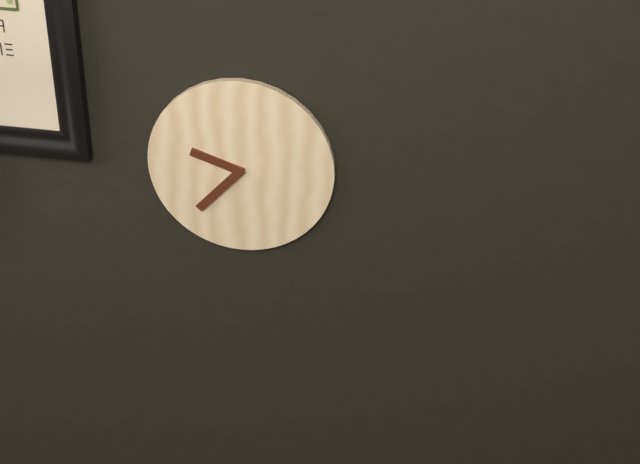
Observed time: 9:37
